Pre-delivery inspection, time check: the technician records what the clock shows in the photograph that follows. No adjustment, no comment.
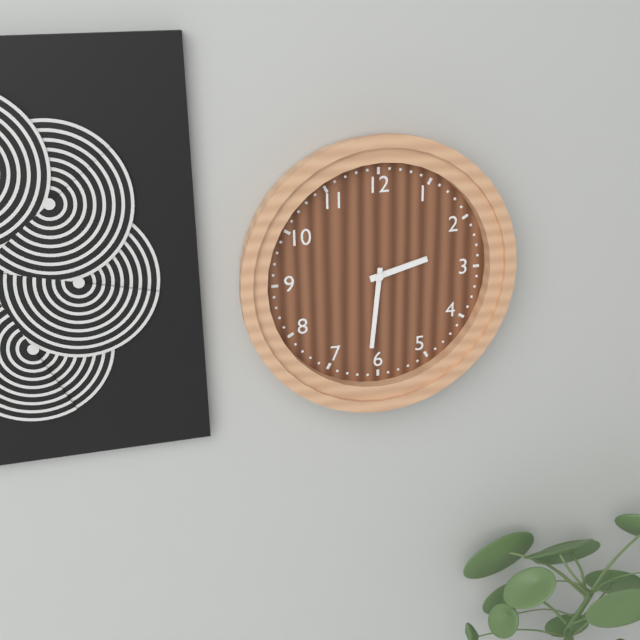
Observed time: 2:31
